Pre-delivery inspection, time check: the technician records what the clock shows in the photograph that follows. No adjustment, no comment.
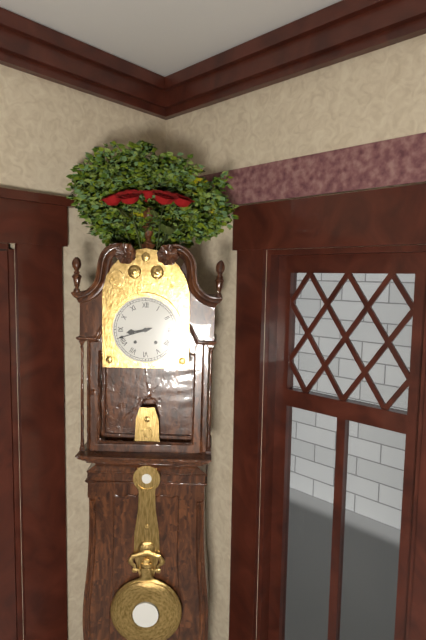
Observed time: 8:42
